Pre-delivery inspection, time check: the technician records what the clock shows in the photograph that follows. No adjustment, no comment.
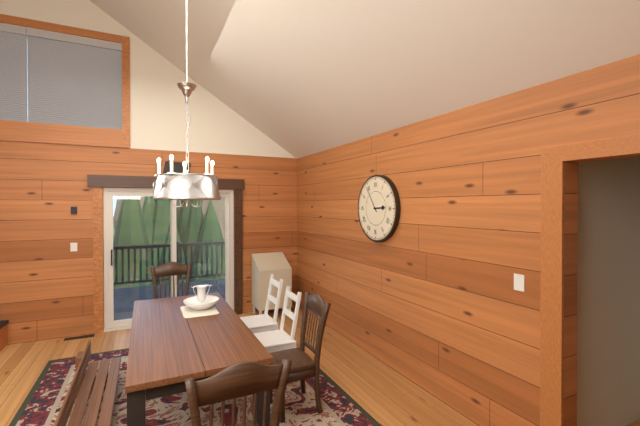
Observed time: 2:54
